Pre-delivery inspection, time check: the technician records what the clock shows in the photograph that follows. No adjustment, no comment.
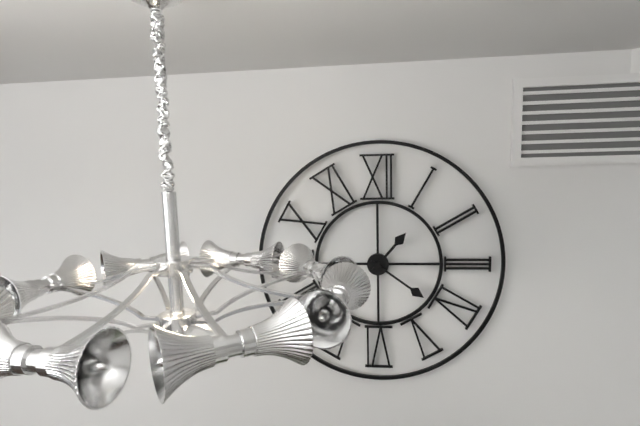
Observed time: 1:21
